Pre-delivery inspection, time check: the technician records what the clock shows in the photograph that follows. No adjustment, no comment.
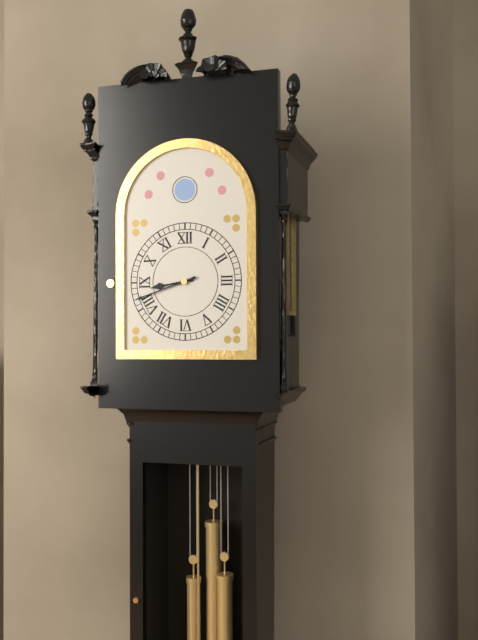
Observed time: 8:42
